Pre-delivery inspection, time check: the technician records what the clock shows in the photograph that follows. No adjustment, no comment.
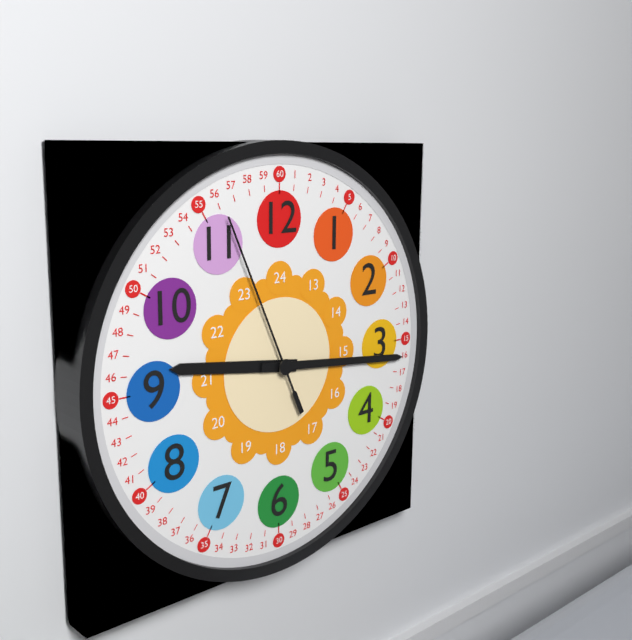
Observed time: 9:16:56
